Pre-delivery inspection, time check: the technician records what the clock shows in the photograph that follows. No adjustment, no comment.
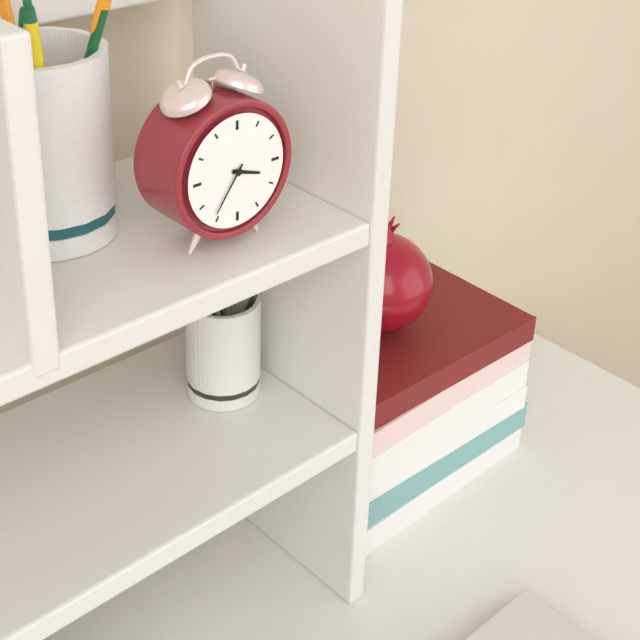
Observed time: 3:36
